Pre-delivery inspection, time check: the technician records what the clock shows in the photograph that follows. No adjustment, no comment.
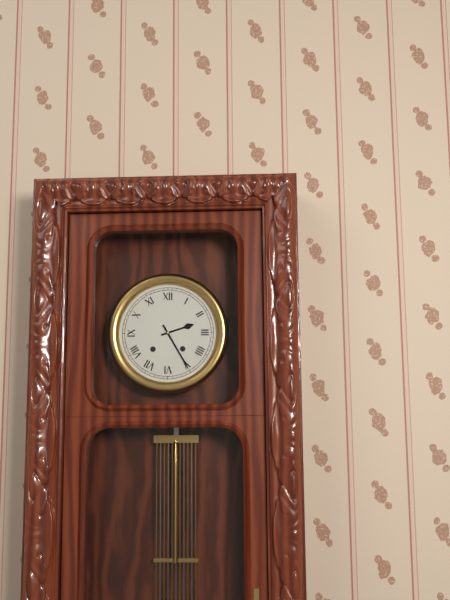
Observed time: 2:25
